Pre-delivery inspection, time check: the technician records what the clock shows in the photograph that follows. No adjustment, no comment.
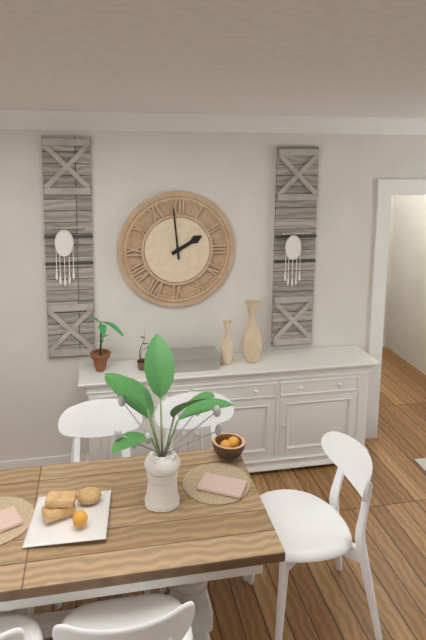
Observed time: 1:59
